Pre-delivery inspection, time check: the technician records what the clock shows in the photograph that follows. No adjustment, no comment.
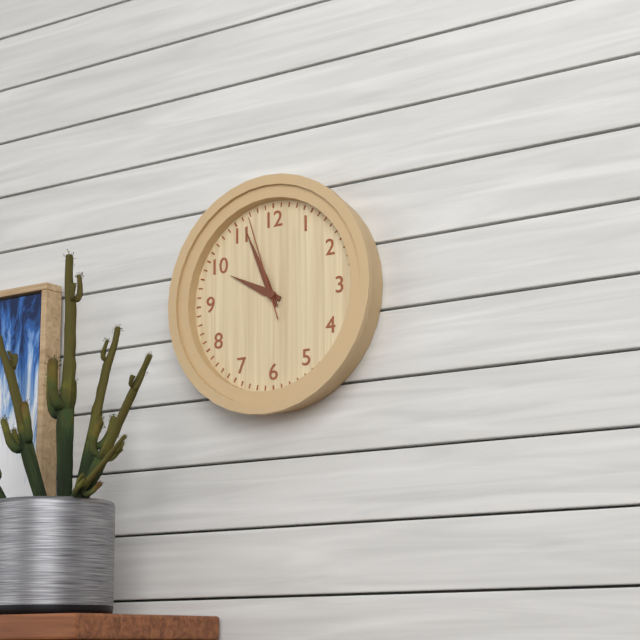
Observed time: 9:56:57
